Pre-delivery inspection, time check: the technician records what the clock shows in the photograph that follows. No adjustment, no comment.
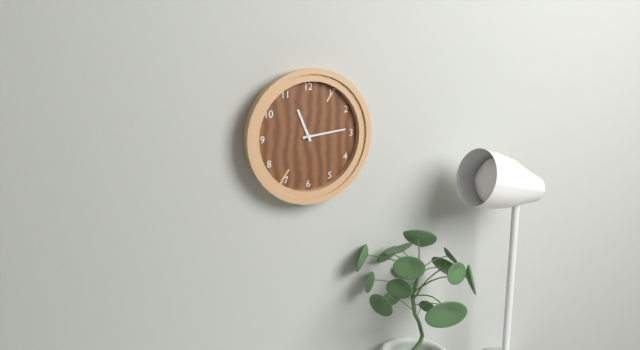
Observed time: 11:14
